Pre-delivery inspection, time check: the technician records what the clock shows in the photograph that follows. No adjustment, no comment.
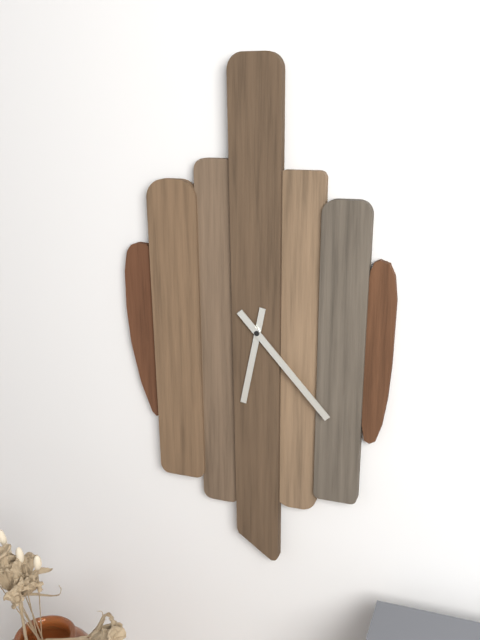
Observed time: 6:23
